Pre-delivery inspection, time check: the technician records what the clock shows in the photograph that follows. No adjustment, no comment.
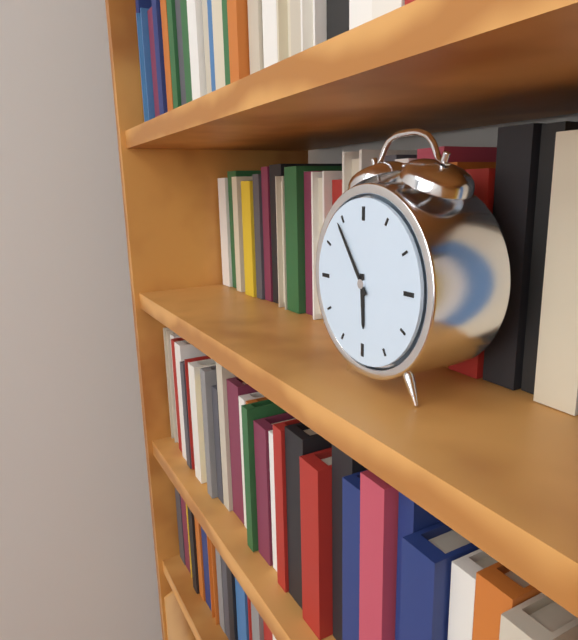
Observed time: 5:54
